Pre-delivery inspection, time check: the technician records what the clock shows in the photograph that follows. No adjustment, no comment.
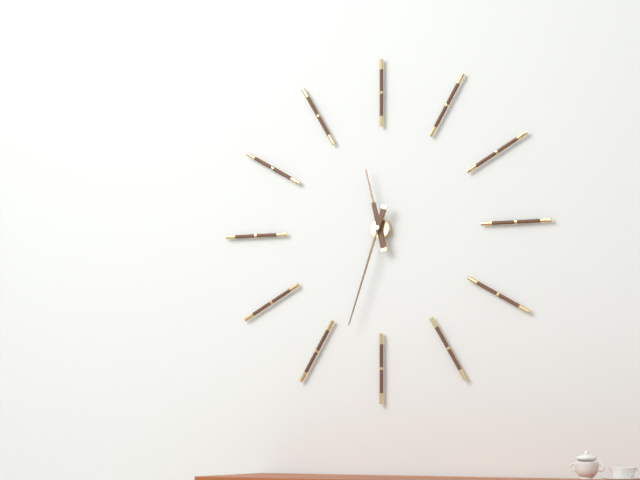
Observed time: 11:33
